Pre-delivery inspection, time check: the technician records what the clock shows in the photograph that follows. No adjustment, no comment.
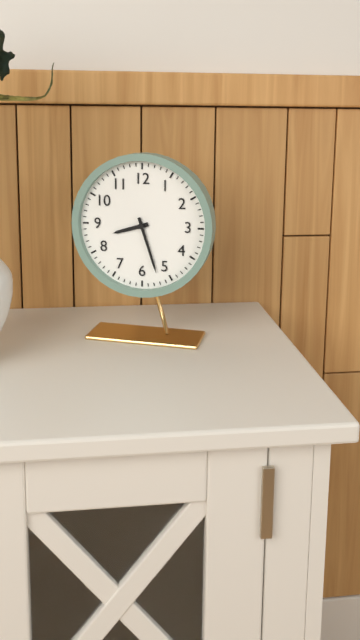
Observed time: 8:27
